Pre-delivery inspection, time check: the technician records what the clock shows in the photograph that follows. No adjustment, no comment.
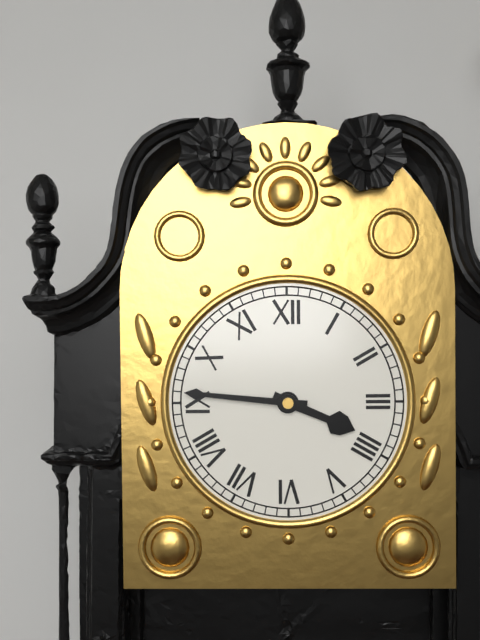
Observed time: 3:46
